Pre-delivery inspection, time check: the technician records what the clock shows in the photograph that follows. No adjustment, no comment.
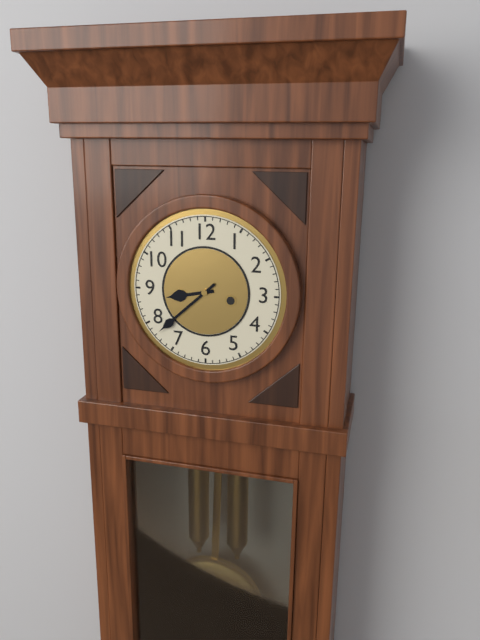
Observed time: 8:38
